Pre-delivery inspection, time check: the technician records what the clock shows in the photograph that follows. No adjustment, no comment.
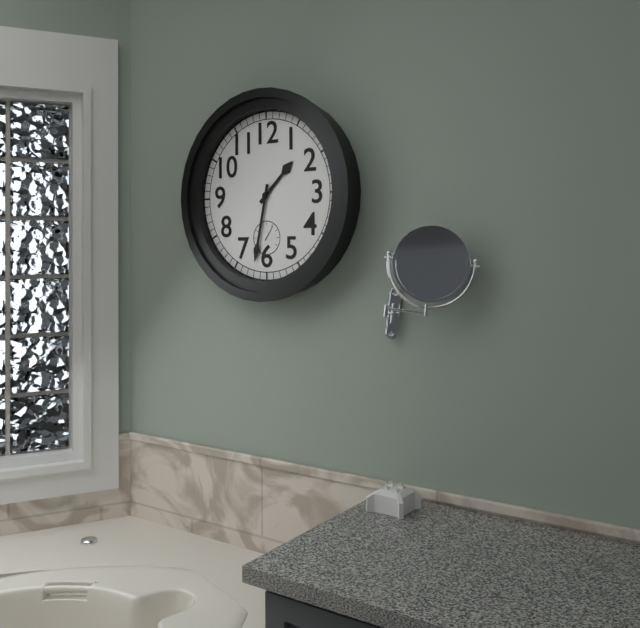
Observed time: 1:32
